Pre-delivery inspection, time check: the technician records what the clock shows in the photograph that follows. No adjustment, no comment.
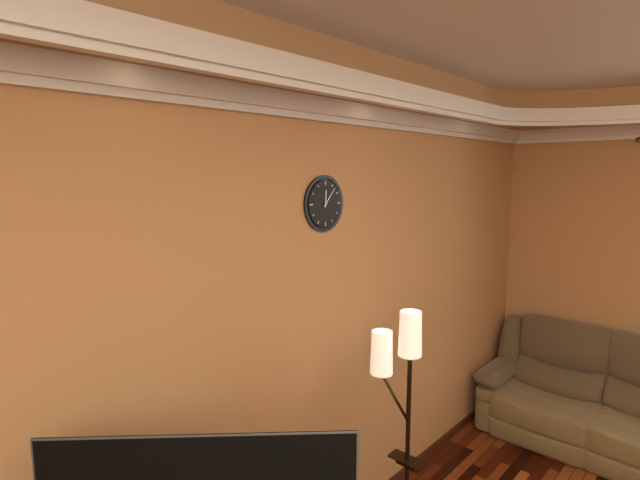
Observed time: 12:07
